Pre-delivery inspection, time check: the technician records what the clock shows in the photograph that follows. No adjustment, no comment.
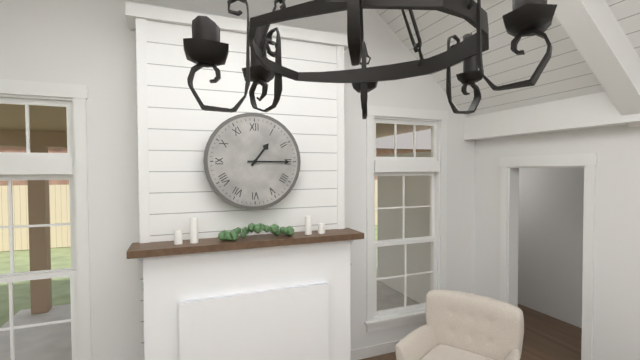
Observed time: 1:15
